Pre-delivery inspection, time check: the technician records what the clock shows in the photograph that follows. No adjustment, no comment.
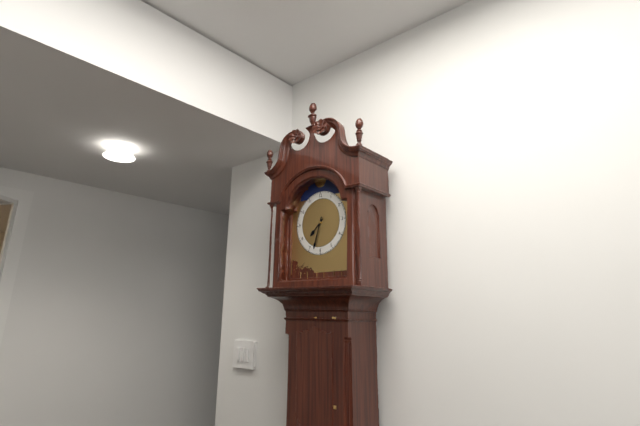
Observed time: 7:33
